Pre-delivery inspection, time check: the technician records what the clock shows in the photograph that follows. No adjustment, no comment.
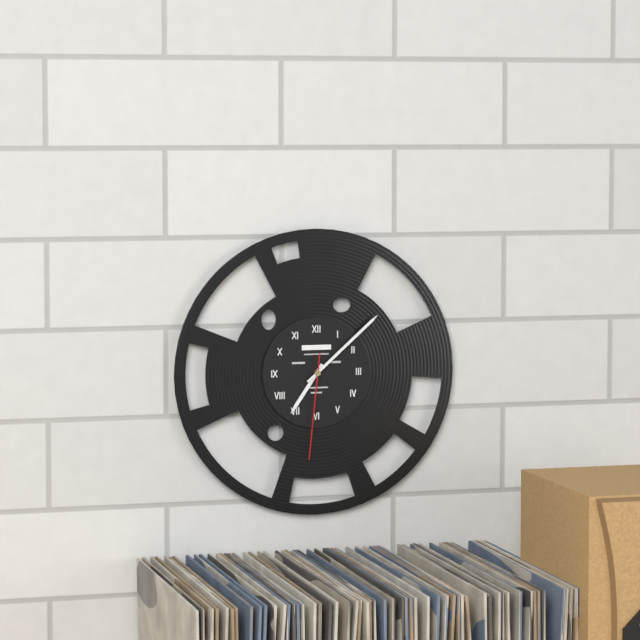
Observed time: 7:08:31
